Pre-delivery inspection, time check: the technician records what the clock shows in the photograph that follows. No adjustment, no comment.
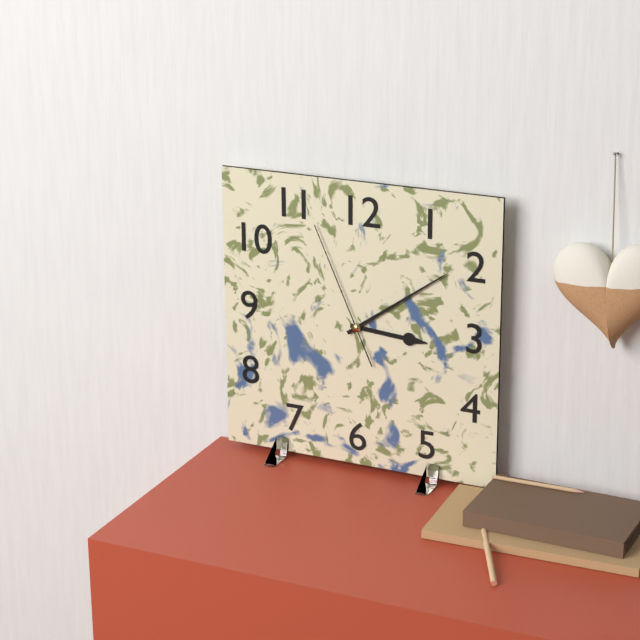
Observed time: 3:09:56
